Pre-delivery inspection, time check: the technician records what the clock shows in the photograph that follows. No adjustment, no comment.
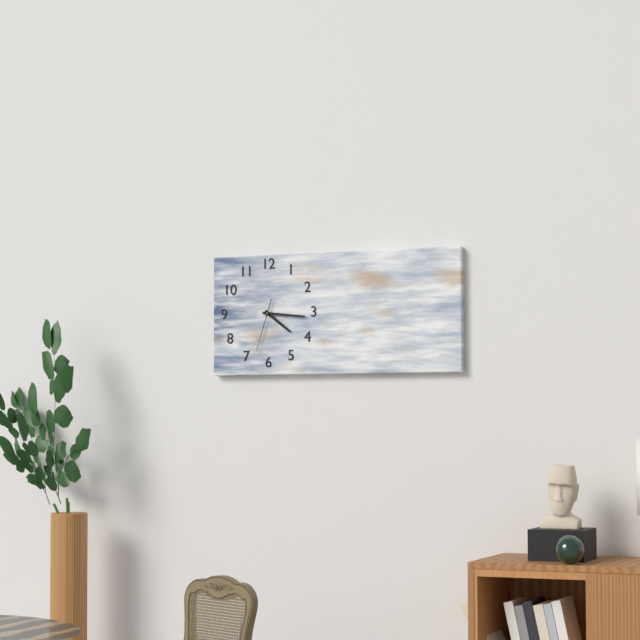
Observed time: 4:16
